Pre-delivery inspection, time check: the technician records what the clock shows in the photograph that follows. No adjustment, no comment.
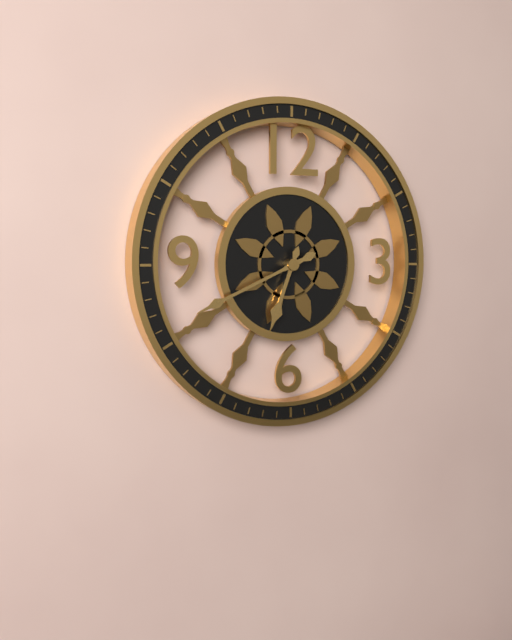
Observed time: 6:41
